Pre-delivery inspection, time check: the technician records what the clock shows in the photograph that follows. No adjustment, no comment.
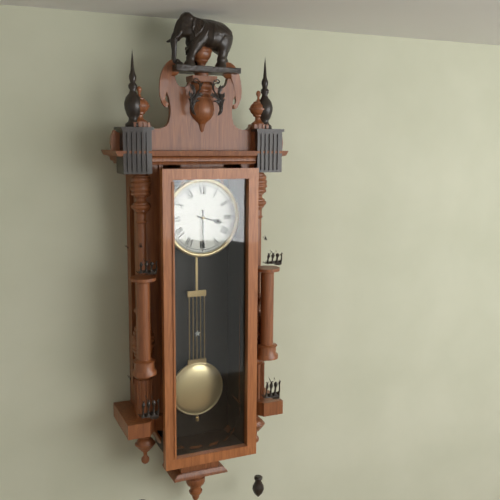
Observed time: 3:30
